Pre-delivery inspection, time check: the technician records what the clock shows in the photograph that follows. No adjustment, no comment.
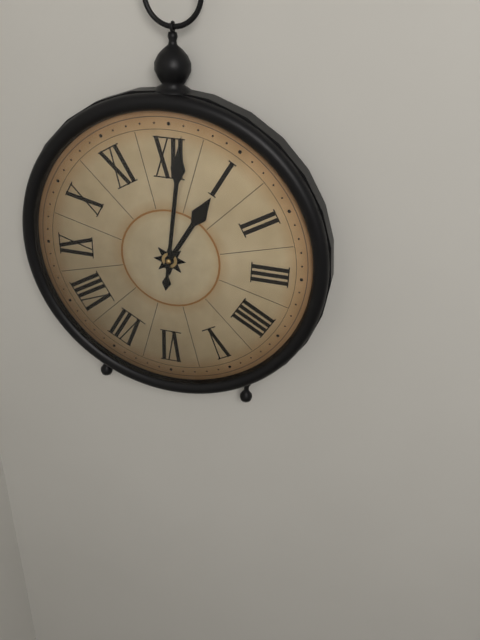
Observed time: 1:01
